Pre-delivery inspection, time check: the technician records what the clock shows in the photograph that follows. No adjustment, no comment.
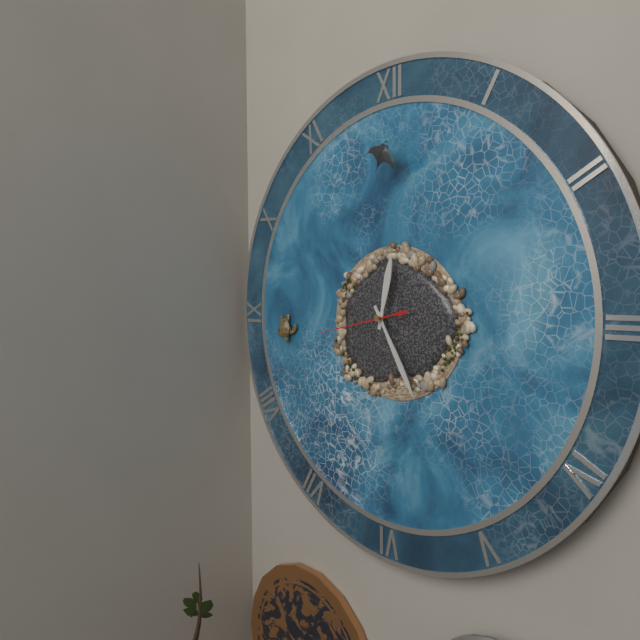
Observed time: 12:25:43
